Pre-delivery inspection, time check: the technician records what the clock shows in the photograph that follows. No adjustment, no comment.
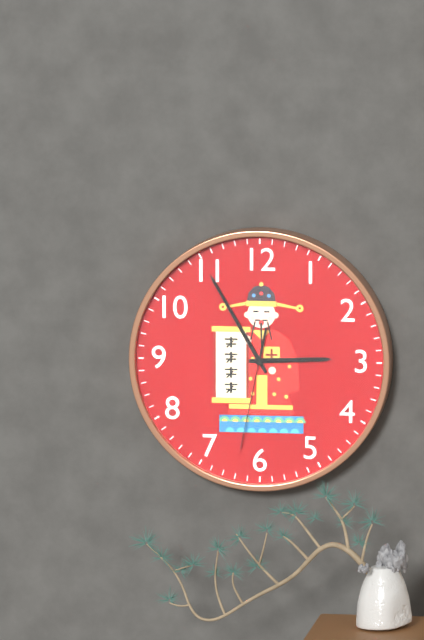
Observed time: 2:55:32
